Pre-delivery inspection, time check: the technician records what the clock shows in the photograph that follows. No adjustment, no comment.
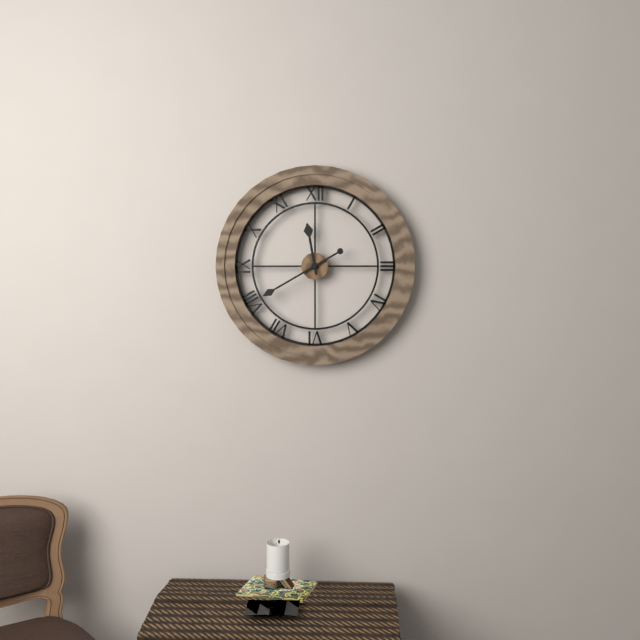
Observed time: 11:40
